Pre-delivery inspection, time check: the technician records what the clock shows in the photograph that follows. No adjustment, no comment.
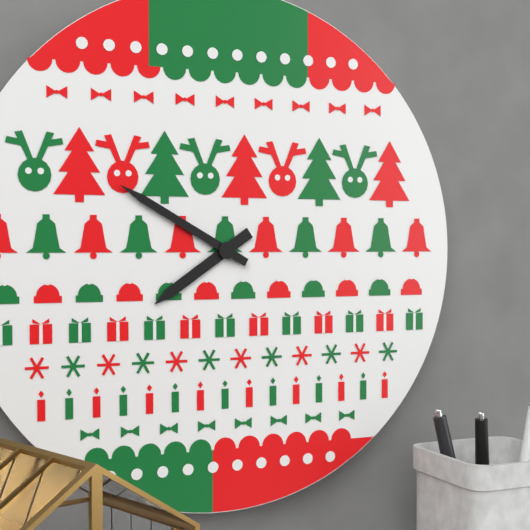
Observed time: 7:50
